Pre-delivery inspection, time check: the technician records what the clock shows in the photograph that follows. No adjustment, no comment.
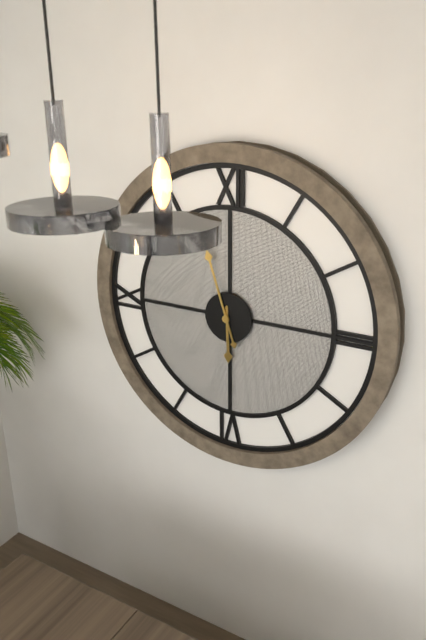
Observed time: 5:57
